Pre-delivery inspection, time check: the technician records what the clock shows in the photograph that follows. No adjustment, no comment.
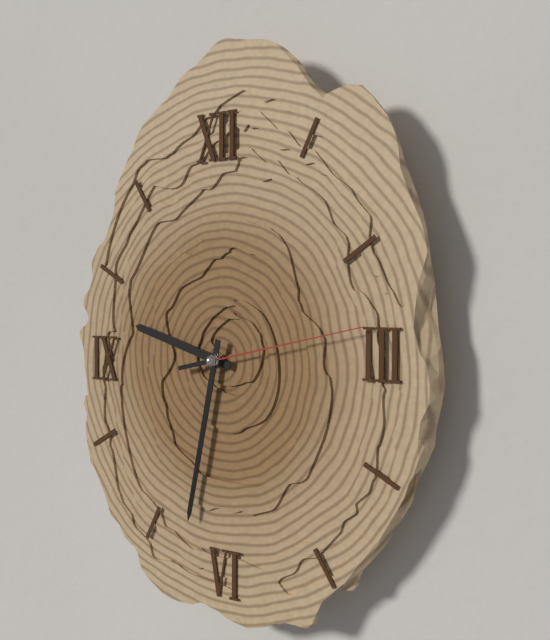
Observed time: 9:32:13
